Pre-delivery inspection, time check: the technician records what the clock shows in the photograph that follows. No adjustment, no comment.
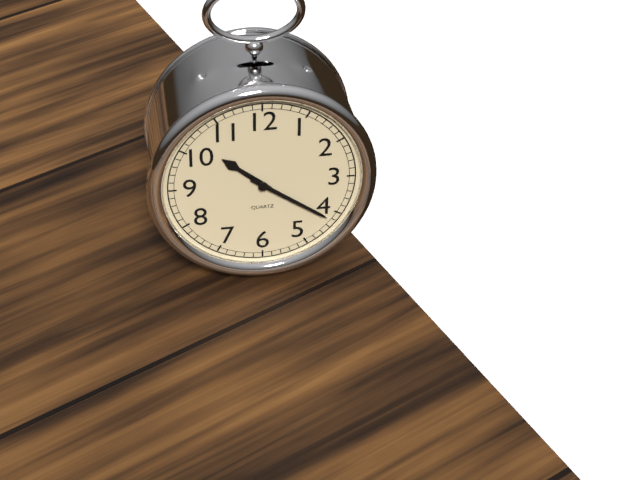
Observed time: 10:21
